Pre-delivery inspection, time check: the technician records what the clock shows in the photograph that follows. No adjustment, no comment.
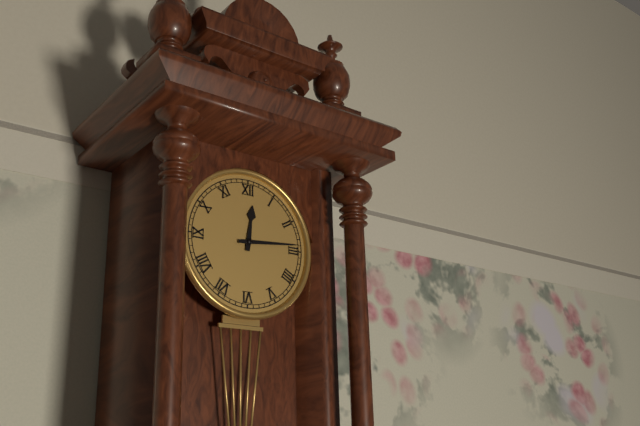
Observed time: 12:14
